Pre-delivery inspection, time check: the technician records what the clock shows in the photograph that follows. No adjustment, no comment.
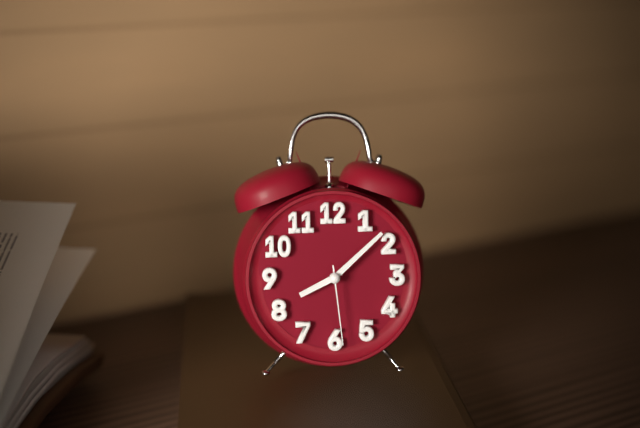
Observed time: 8:08:29
